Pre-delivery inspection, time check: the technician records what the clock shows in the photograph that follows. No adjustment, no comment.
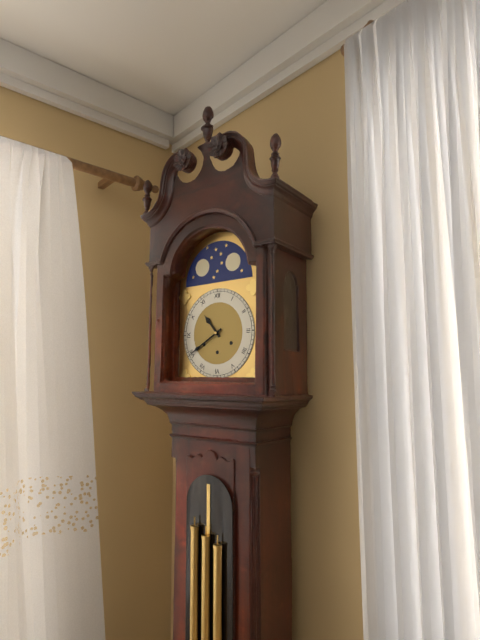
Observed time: 10:40
